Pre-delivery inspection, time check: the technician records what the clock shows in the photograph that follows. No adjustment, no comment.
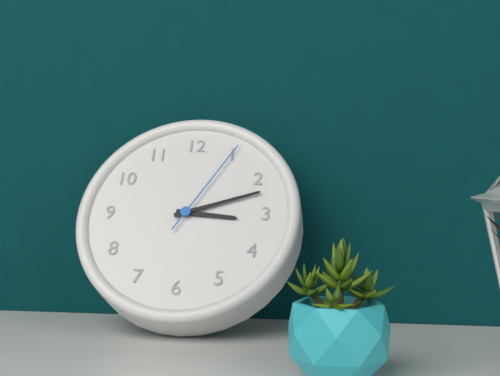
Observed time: 3:12:05
